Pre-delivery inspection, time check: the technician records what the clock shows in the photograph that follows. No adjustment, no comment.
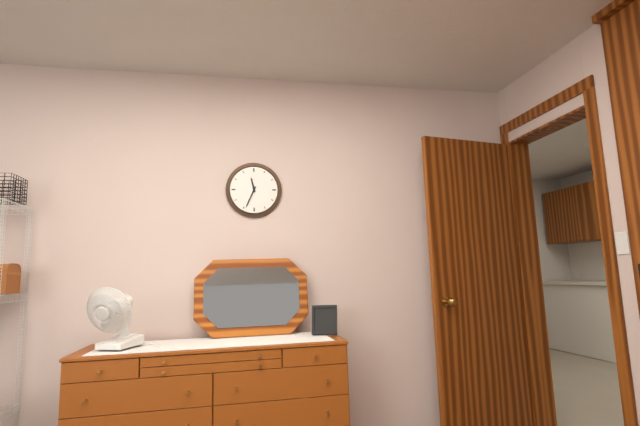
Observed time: 11:34
